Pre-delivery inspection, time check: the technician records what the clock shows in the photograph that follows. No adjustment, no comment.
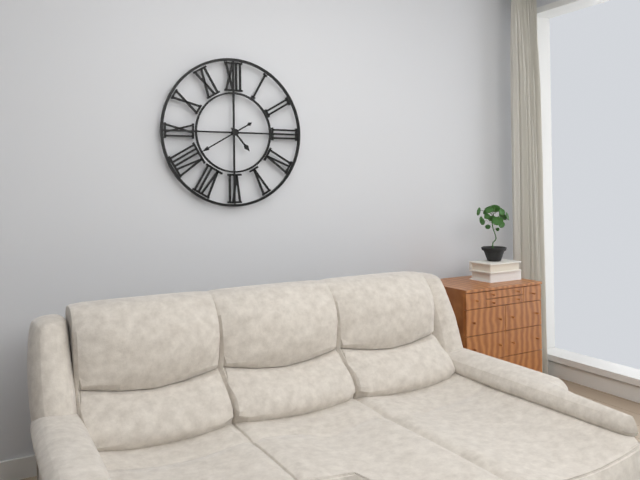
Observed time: 4:40
